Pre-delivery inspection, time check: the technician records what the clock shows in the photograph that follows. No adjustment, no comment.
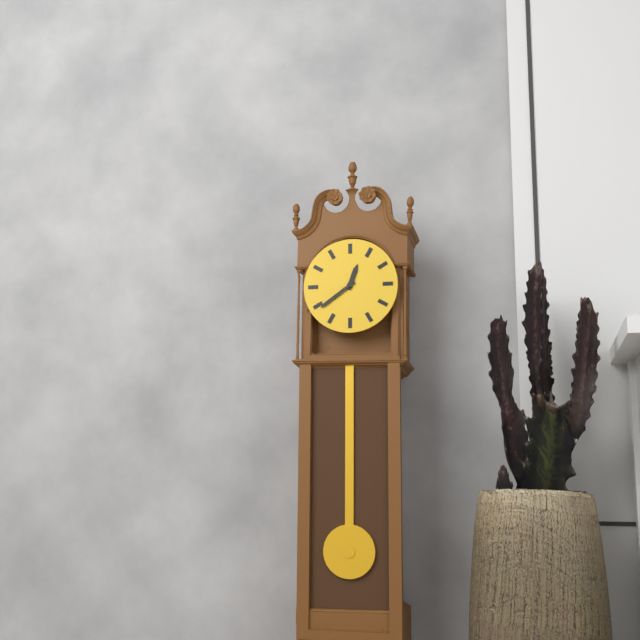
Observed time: 12:39
